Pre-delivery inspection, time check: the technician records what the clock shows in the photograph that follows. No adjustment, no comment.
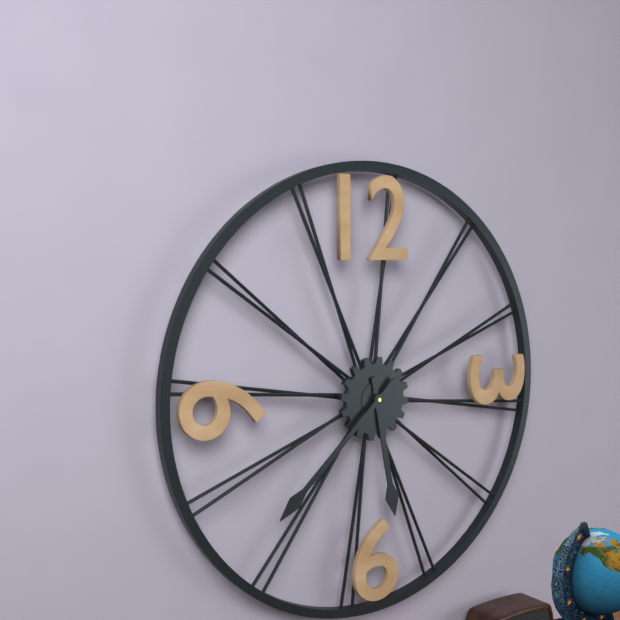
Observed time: 5:38
